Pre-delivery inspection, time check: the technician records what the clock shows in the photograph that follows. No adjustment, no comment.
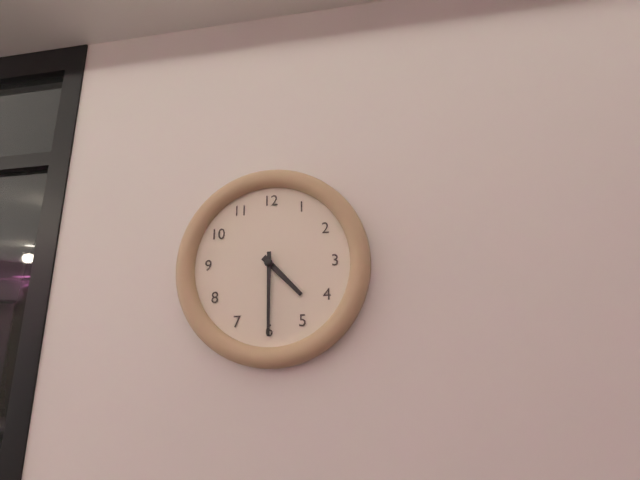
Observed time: 4:30
